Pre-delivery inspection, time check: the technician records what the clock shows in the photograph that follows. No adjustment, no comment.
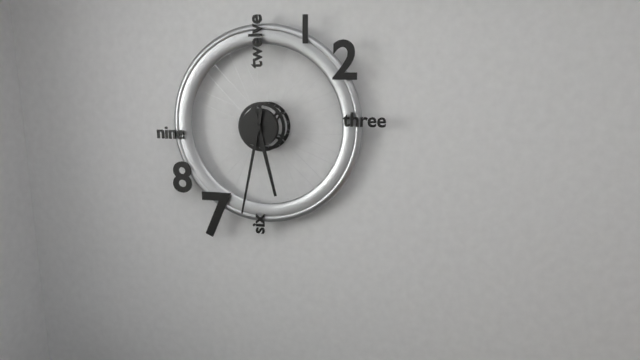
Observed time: 5:32
